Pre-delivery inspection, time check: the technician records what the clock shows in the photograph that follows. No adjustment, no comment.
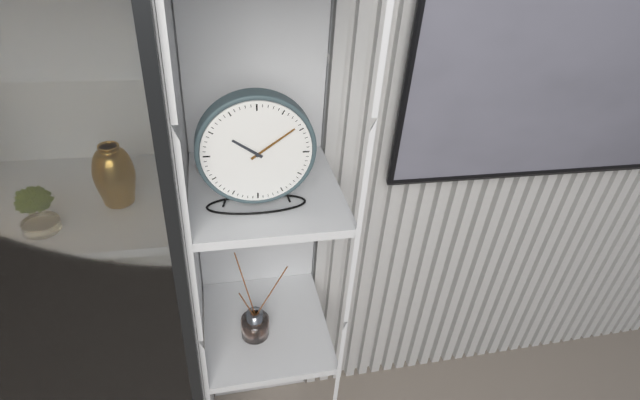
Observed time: 10:09
